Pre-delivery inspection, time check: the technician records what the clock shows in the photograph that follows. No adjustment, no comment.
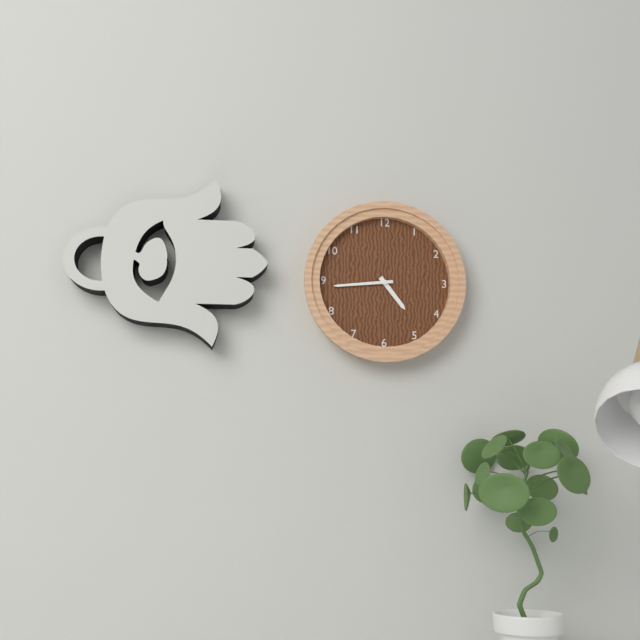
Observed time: 4:44
